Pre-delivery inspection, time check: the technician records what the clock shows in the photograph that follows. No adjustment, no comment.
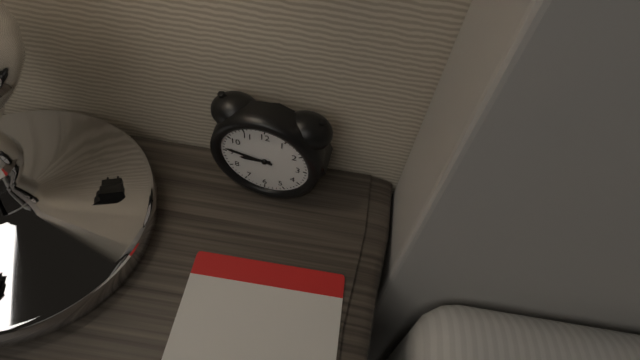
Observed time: 8:46
